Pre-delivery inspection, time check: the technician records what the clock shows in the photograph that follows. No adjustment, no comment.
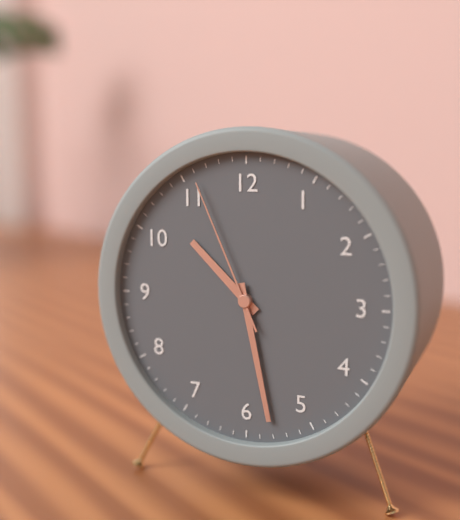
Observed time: 10:28:56
